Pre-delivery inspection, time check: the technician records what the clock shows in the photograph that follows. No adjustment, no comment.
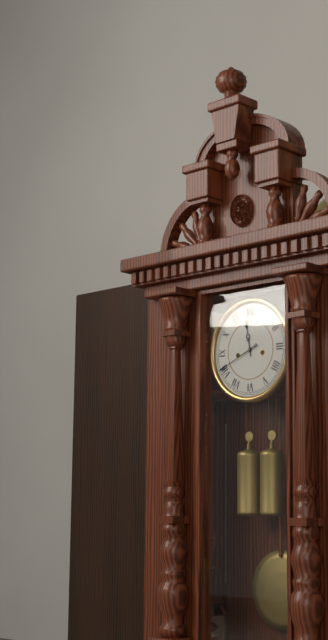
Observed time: 11:41
